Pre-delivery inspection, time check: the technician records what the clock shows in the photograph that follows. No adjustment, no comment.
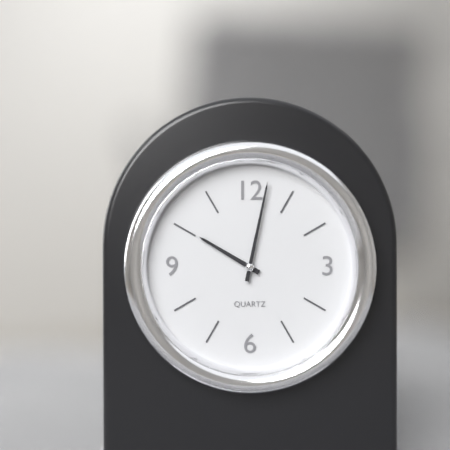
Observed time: 10:02
